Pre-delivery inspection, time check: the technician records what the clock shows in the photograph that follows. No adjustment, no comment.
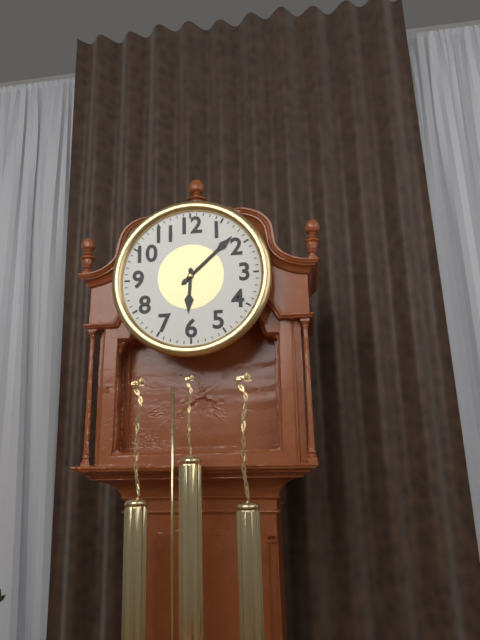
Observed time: 6:08
